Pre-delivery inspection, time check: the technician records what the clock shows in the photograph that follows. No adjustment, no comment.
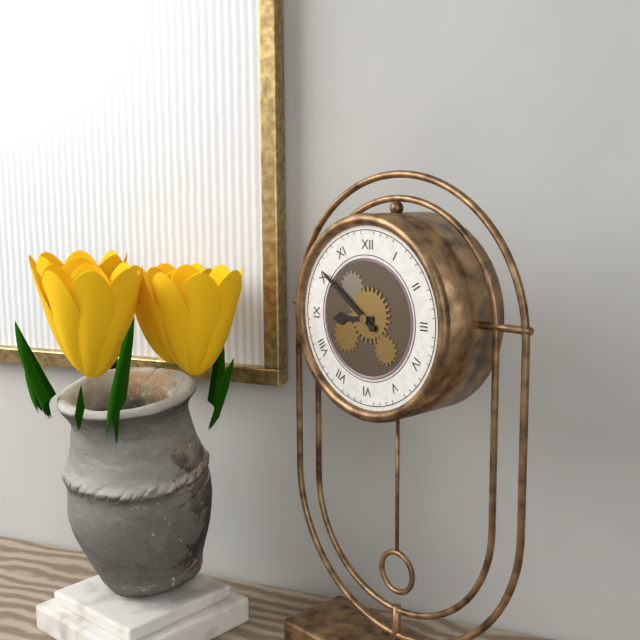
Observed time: 8:51
